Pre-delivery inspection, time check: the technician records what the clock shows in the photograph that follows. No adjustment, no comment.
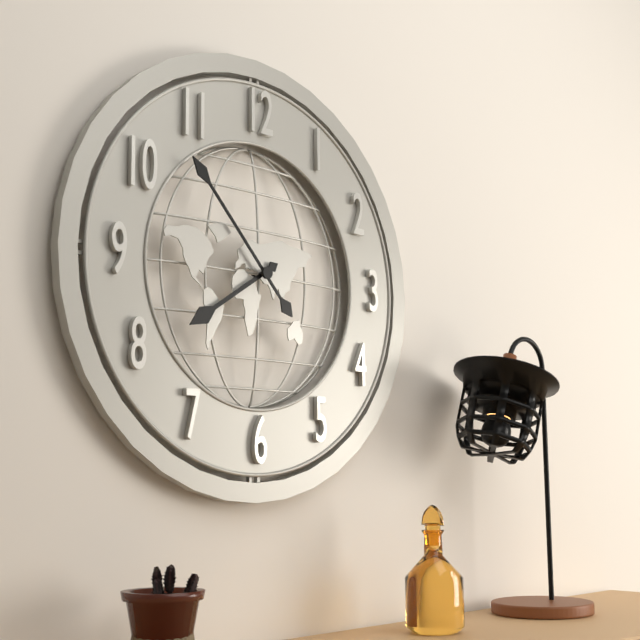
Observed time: 7:53
